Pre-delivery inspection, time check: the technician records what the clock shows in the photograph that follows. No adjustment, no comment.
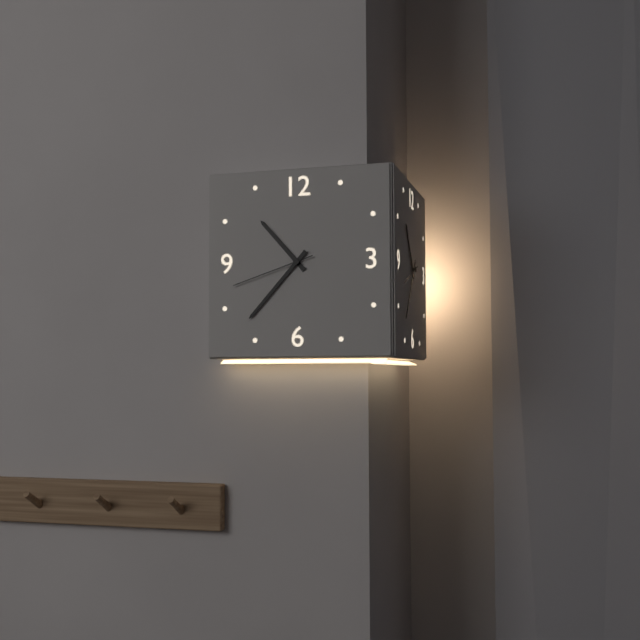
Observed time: 10:37:42
